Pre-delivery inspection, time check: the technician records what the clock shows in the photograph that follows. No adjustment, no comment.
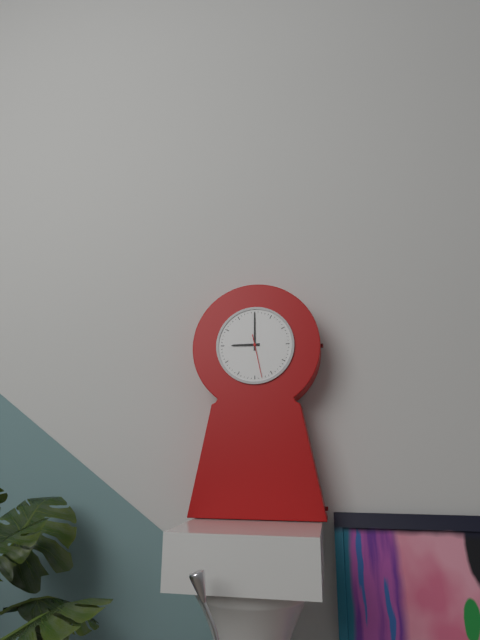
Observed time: 9:00
